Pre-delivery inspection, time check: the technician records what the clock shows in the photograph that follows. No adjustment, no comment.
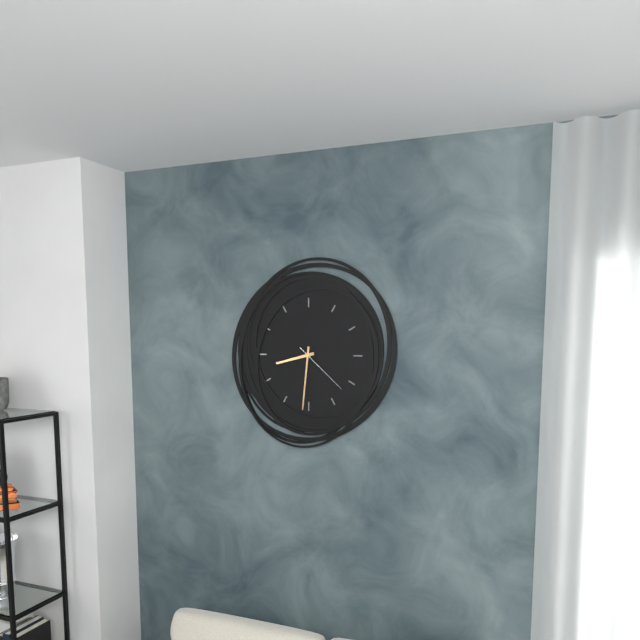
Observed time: 8:31:22
